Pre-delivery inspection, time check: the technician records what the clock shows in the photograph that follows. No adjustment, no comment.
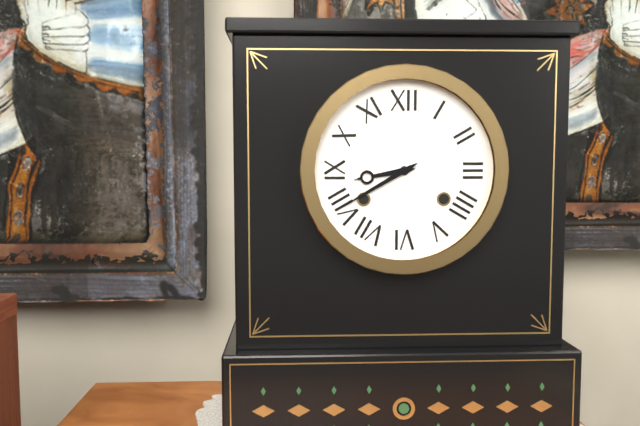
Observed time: 8:40
